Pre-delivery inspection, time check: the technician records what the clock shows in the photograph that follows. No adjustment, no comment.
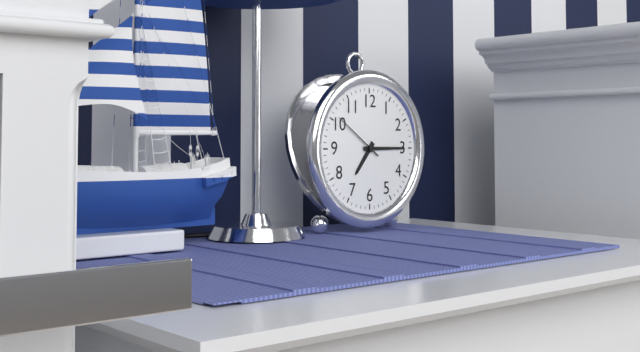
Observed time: 7:15:51
